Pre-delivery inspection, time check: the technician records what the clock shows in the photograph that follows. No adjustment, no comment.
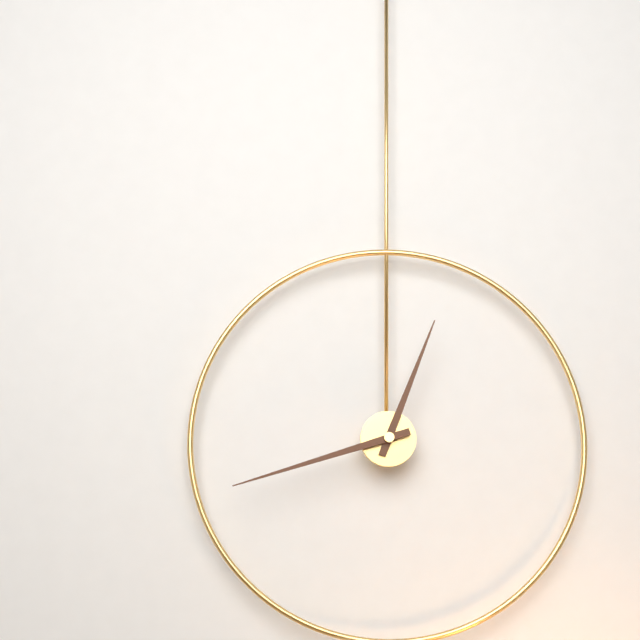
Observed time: 12:42
